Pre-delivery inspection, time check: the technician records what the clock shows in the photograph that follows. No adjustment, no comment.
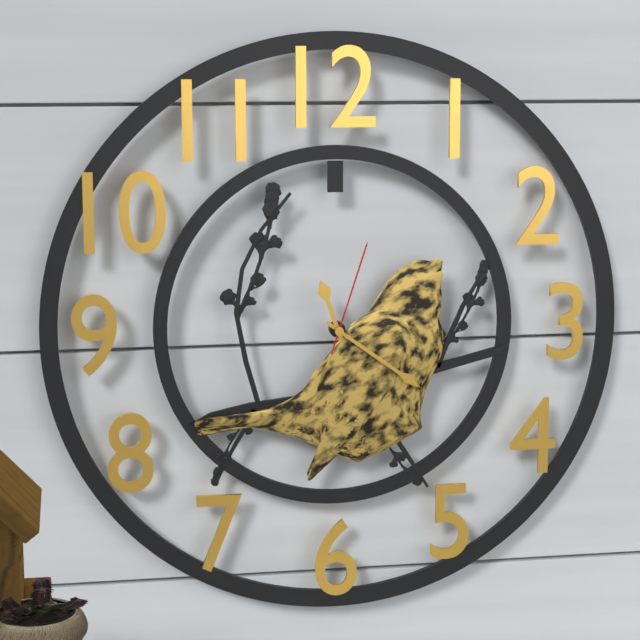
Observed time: 11:21:03
